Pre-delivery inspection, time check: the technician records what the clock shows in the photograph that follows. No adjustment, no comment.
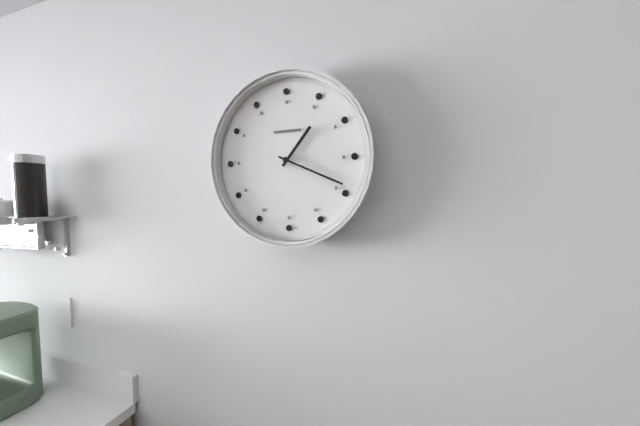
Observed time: 1:19
